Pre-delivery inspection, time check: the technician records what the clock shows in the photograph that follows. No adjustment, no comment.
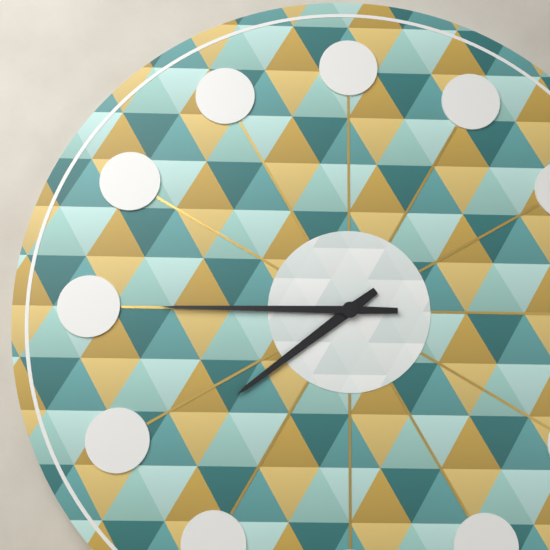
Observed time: 7:45
